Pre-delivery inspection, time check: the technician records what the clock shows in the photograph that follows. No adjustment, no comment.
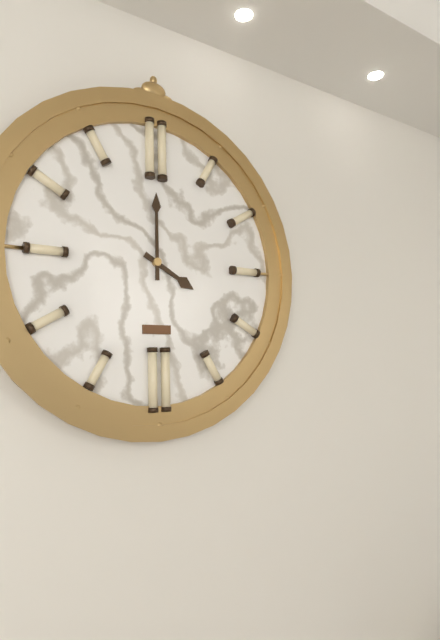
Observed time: 4:00
